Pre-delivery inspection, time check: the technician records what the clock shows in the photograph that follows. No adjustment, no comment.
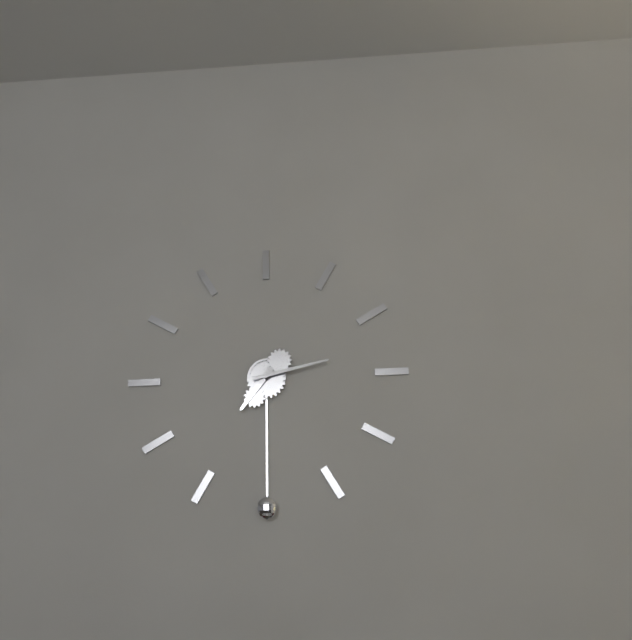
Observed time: 7:13
